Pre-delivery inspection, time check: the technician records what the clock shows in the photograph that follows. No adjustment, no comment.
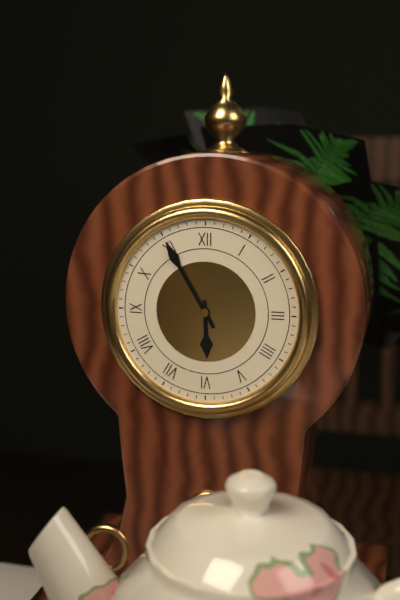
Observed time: 5:55
